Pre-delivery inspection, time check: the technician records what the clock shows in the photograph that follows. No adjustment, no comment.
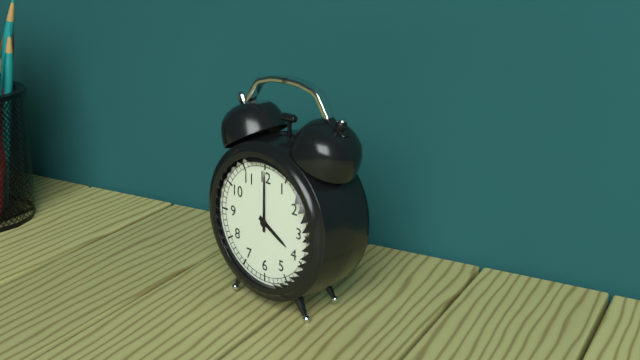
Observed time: 4:00
